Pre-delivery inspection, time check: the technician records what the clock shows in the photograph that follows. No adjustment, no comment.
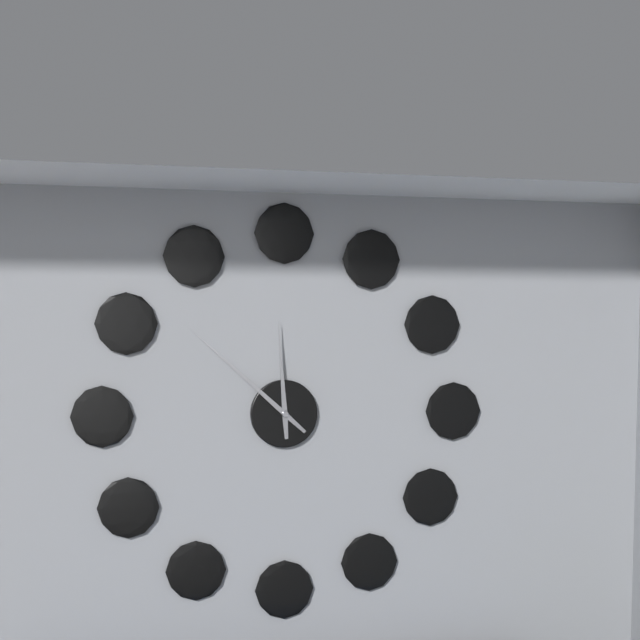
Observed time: 11:52
